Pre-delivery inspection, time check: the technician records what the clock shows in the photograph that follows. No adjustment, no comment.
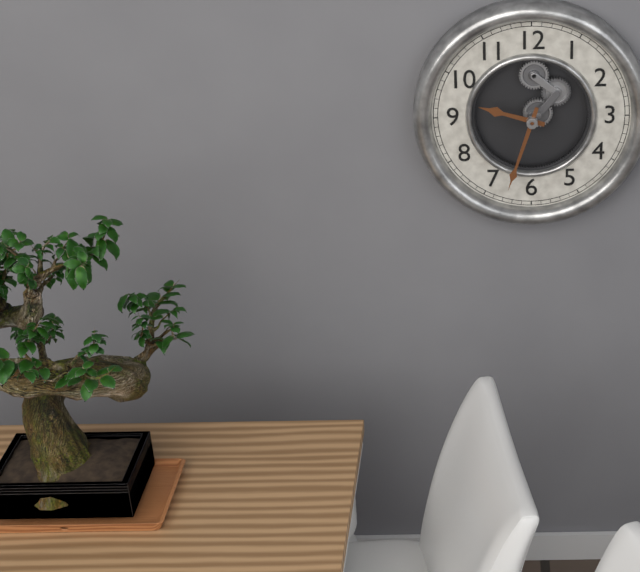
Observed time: 9:33
